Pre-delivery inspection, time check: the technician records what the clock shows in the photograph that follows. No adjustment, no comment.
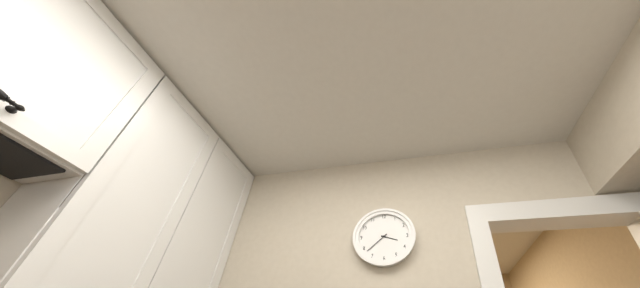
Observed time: 3:38
